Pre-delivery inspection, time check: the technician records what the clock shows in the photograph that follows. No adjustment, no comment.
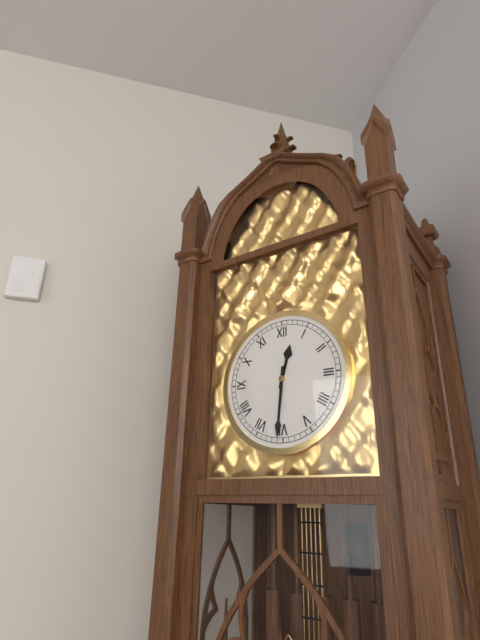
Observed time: 12:31
